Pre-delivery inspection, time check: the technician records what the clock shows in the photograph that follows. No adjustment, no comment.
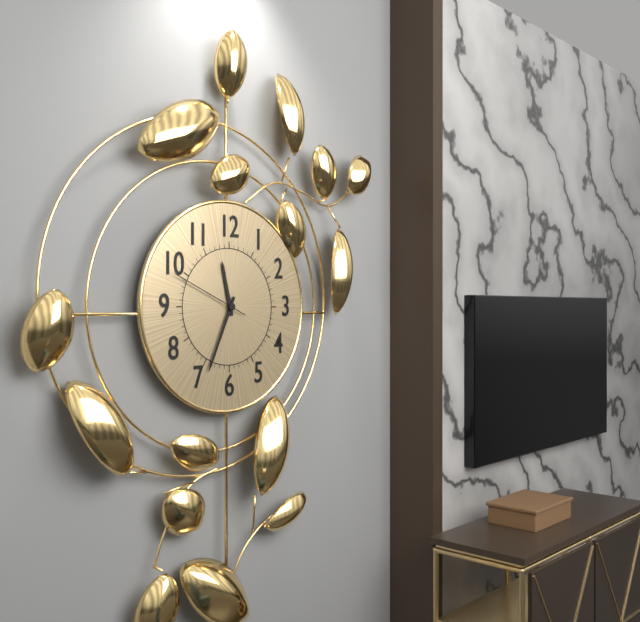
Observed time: 11:34:49
